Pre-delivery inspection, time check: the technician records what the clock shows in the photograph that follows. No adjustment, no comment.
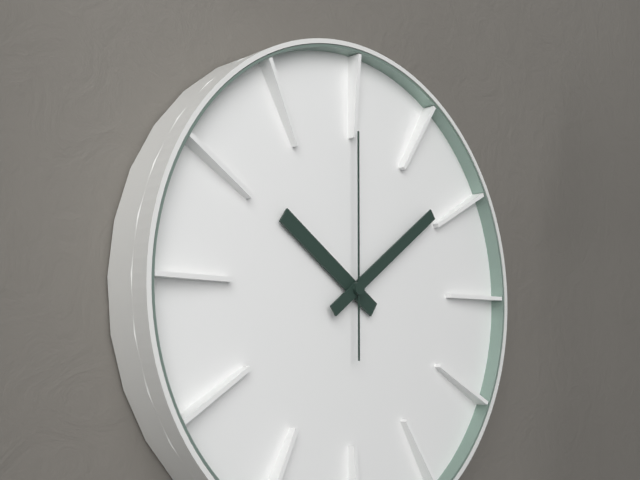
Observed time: 10:09:00
